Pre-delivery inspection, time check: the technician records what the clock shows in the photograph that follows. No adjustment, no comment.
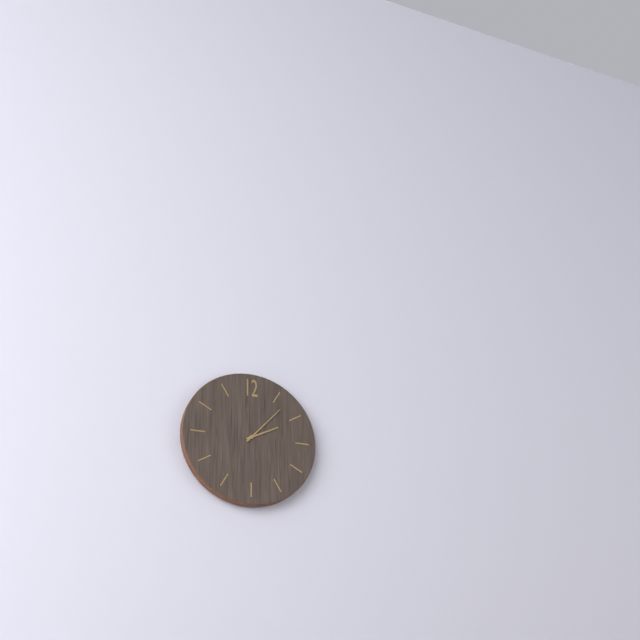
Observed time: 2:07
